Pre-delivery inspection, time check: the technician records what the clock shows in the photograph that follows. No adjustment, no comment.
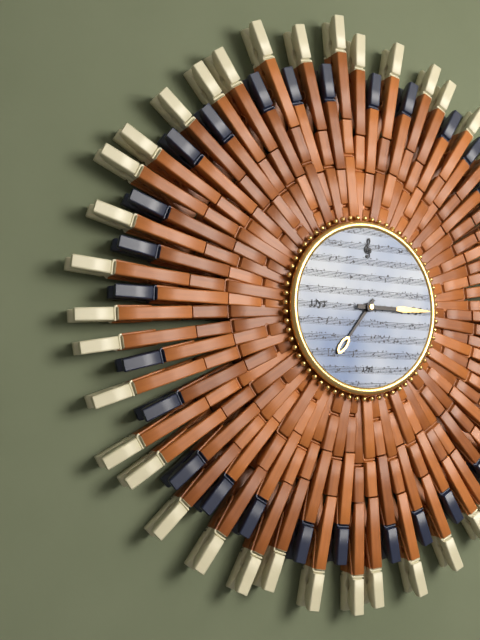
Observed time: 7:15
